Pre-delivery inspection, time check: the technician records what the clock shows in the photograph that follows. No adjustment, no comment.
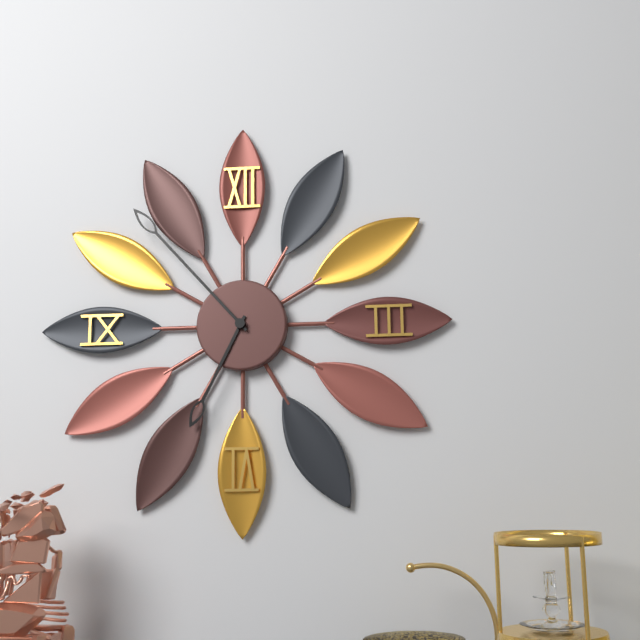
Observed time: 6:53
